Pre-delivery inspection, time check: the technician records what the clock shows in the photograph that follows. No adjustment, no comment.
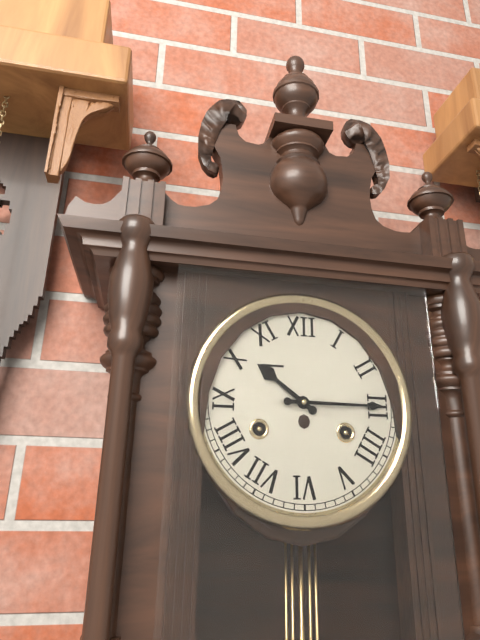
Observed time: 10:15
